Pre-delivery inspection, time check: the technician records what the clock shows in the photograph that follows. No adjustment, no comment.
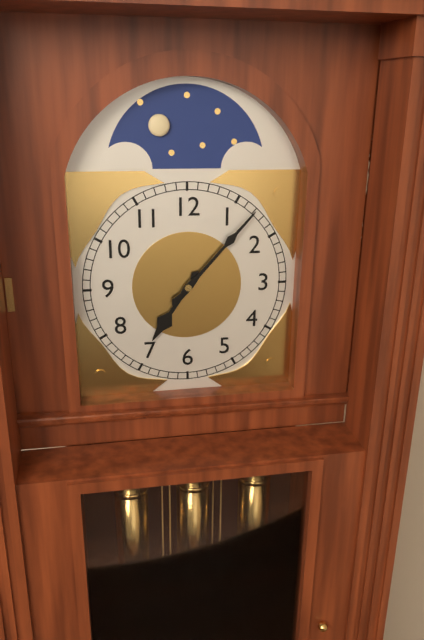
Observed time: 7:07
